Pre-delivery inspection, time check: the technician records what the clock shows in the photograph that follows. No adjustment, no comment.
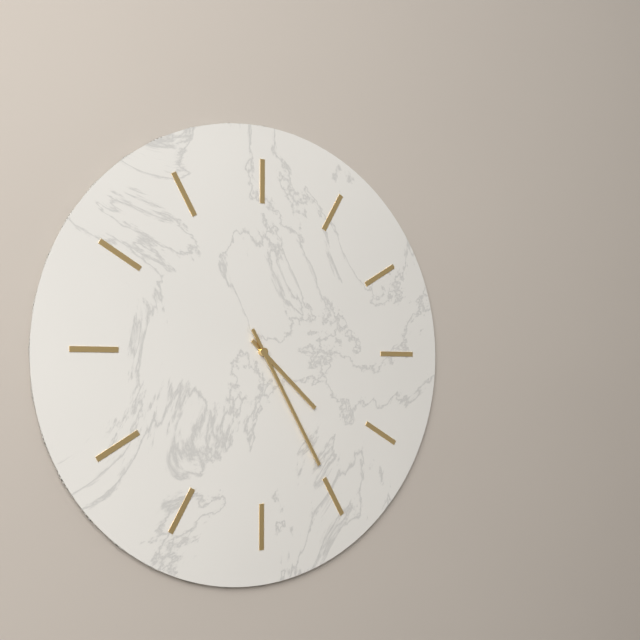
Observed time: 4:25
